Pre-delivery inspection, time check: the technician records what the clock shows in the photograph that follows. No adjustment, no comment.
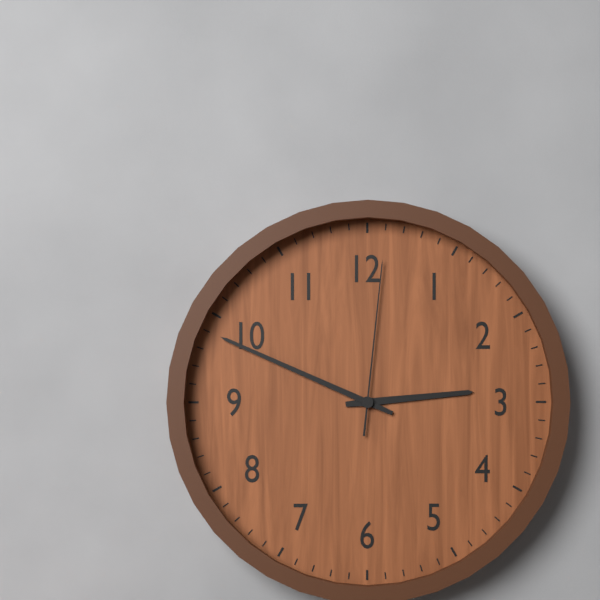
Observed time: 2:49:01
